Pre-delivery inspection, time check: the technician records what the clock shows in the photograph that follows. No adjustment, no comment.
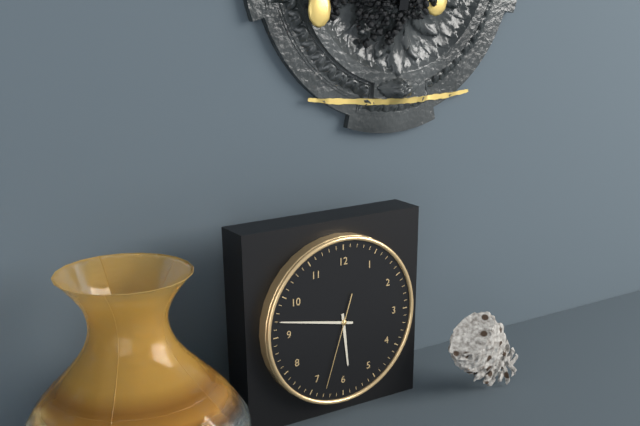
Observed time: 5:47:33
